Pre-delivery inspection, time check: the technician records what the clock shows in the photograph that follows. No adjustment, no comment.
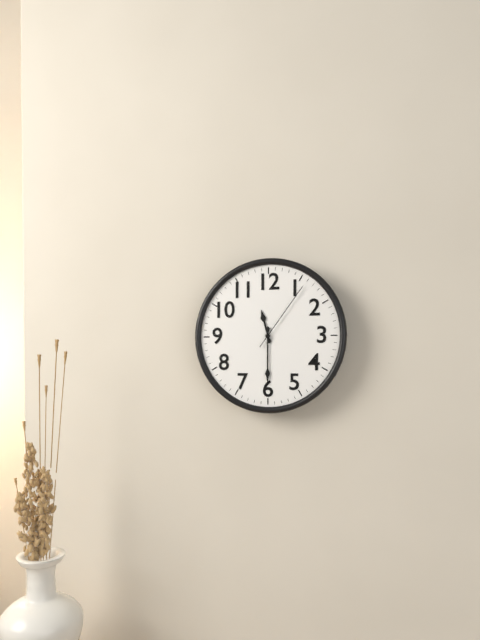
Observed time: 11:30:06
